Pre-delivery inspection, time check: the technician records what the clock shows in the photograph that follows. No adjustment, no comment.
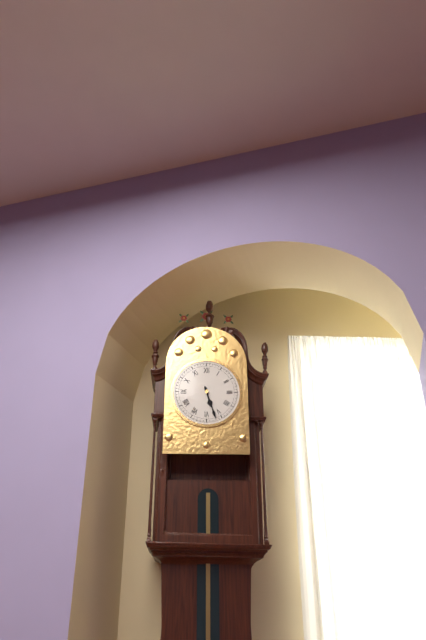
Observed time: 5:27
